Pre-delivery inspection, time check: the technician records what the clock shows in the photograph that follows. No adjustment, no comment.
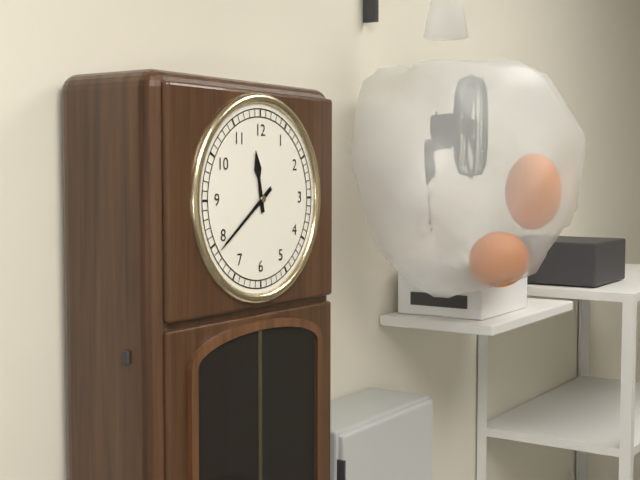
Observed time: 11:39
